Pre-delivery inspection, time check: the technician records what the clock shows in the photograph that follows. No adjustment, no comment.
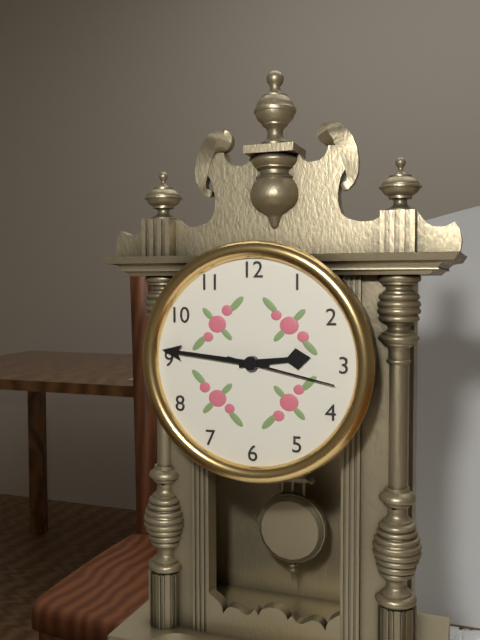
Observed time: 2:46:17
